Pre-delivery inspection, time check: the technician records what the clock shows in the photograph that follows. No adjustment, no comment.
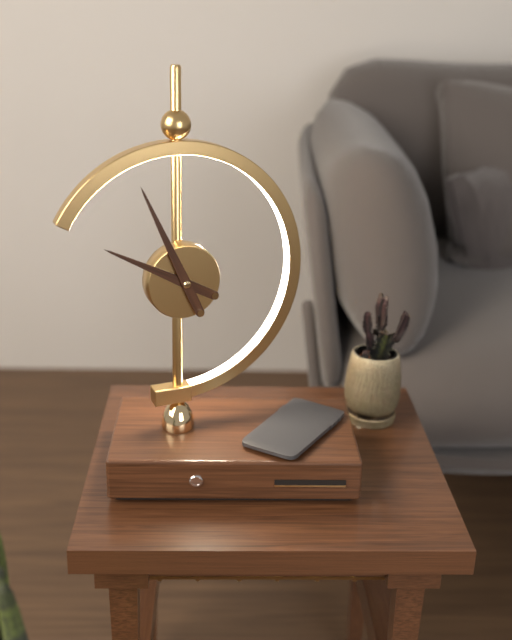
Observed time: 9:56
